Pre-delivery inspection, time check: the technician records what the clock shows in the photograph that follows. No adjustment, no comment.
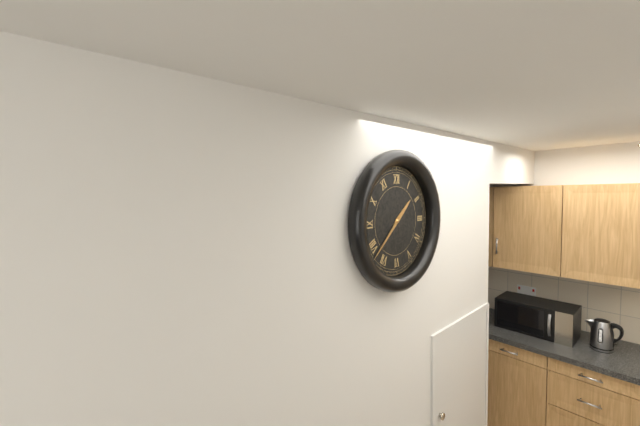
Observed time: 1:38
